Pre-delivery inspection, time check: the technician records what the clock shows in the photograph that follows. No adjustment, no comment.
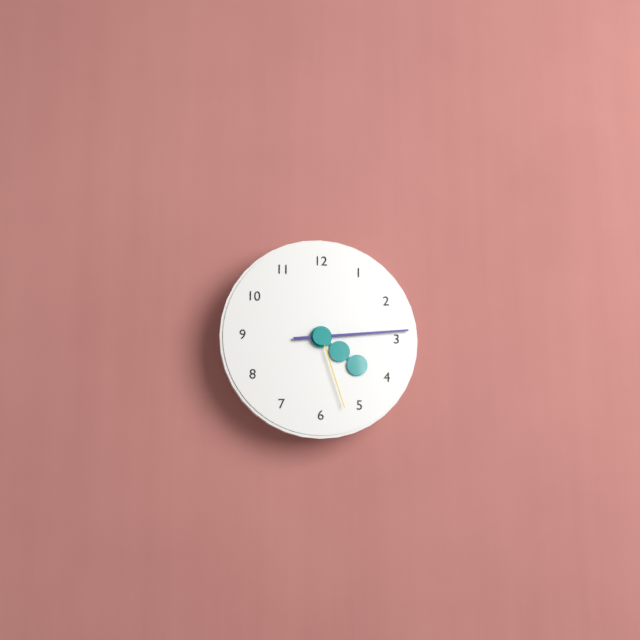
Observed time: 4:14:27
